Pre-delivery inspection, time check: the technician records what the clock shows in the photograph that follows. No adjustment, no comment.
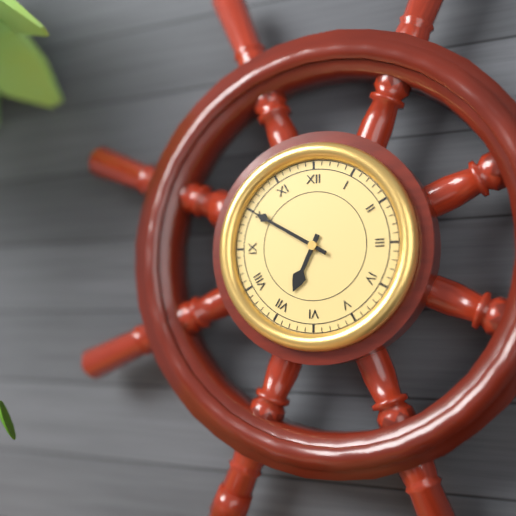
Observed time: 6:50
